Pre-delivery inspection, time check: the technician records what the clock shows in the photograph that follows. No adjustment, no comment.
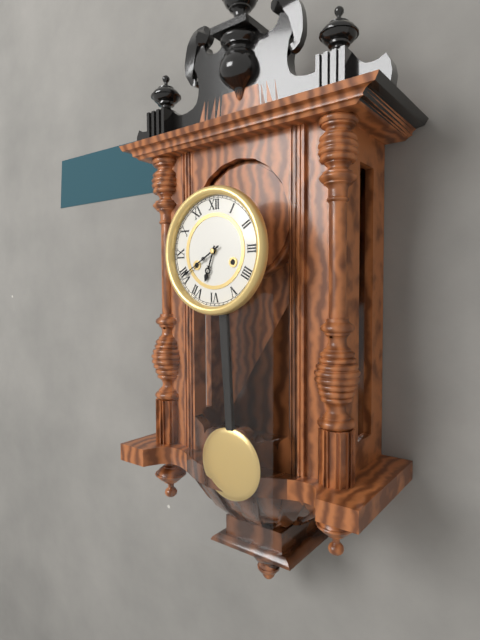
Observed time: 6:40
